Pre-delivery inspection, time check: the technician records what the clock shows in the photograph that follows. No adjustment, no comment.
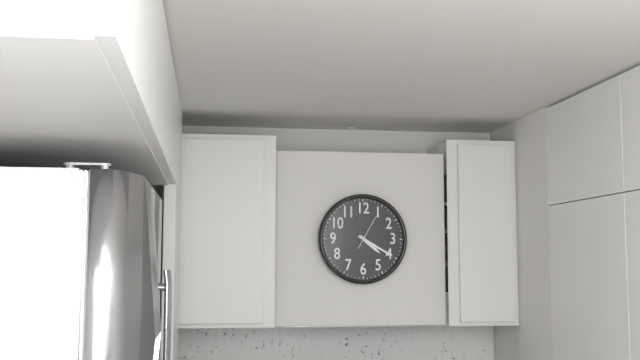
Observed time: 4:20
